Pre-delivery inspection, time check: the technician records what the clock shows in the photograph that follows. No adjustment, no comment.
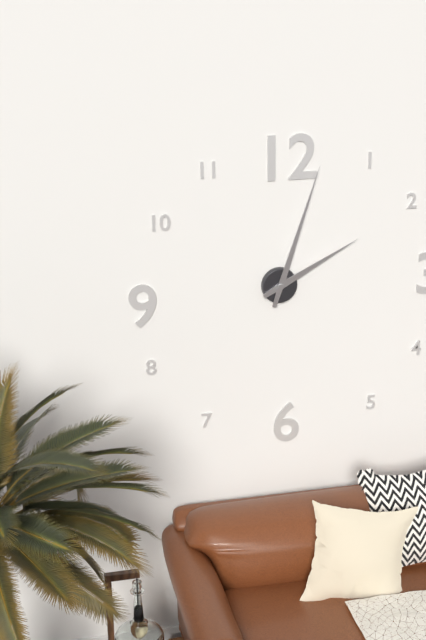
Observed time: 2:03
